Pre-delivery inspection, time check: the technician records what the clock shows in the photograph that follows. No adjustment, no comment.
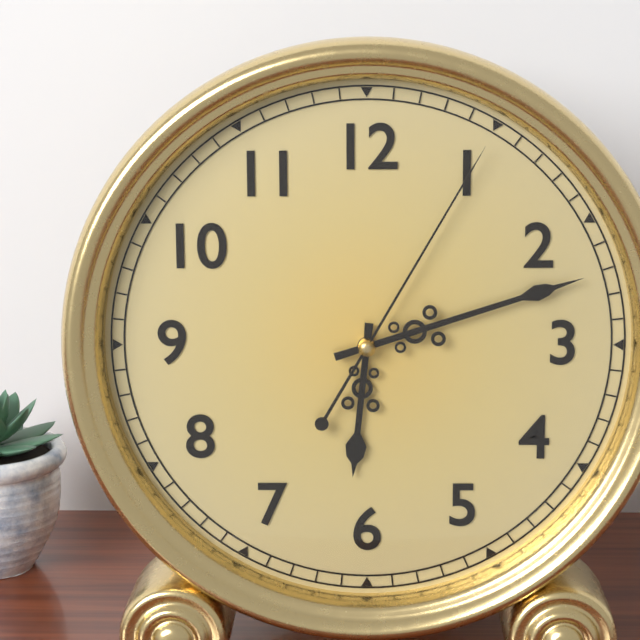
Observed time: 6:12:05
